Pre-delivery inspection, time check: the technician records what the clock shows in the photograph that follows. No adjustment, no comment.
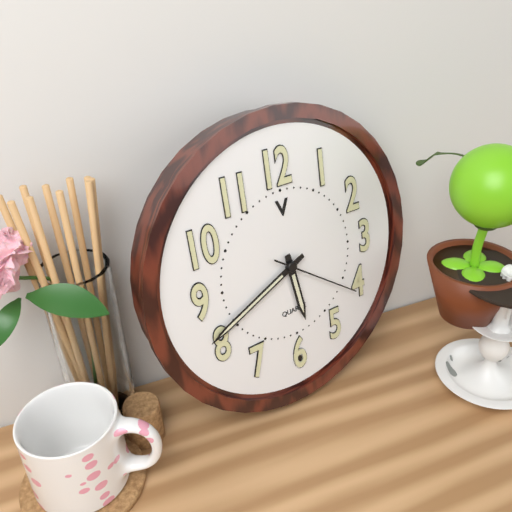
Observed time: 5:41:21
